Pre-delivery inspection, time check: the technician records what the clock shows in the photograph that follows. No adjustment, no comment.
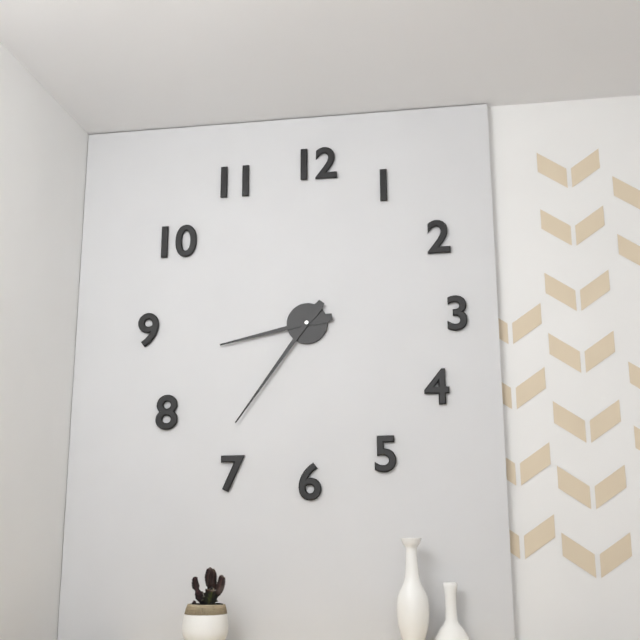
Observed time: 8:36
